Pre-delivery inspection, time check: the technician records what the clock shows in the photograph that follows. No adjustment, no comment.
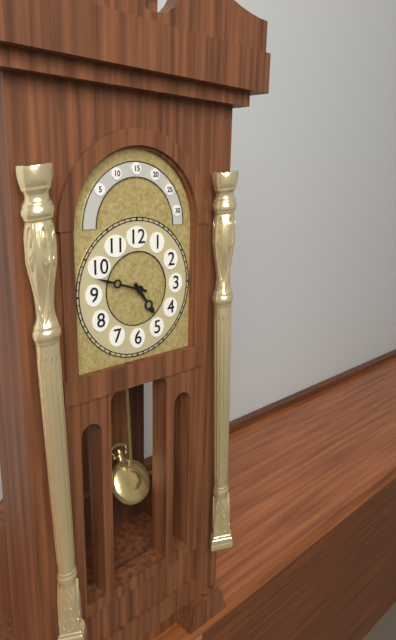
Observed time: 4:48
